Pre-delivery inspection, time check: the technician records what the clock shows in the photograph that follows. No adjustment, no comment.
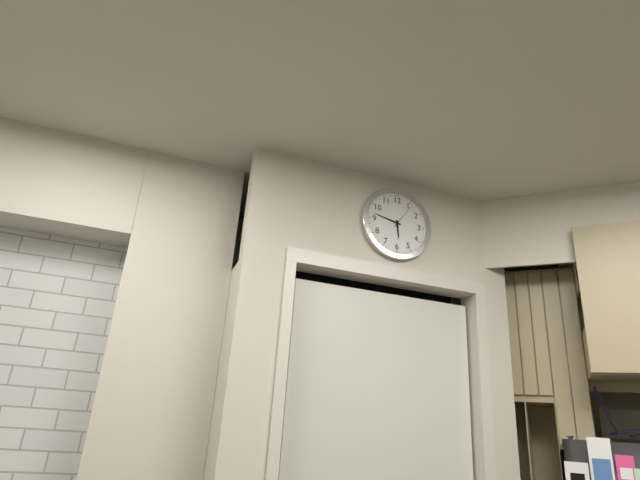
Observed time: 5:47
